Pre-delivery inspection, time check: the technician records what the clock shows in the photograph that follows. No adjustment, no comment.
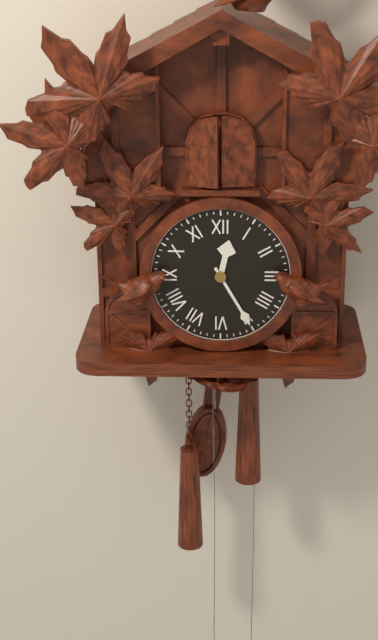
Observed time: 12:25
